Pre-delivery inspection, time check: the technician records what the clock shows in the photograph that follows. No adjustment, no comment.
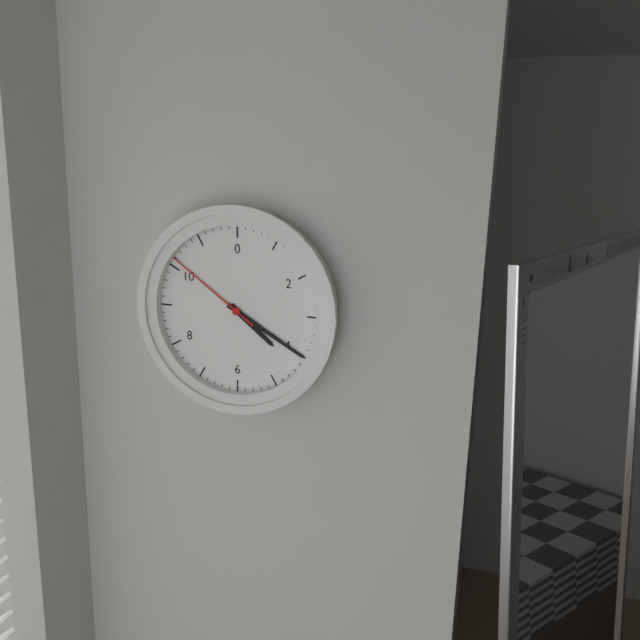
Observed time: 4:20:51
